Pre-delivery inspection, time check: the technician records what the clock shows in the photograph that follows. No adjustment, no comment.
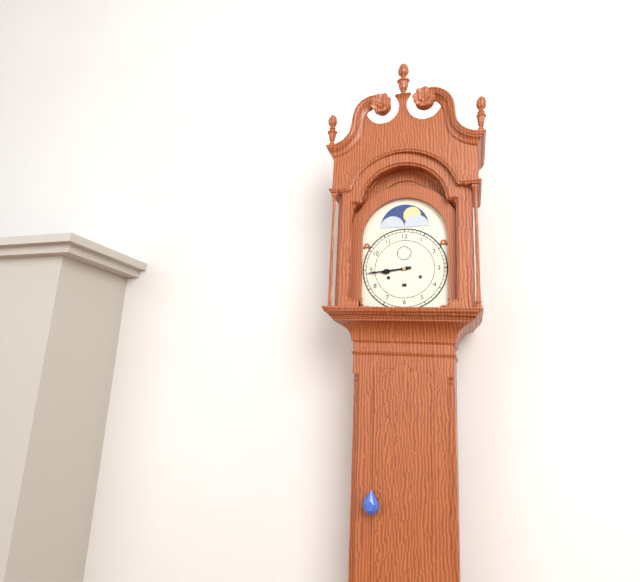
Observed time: 8:44
